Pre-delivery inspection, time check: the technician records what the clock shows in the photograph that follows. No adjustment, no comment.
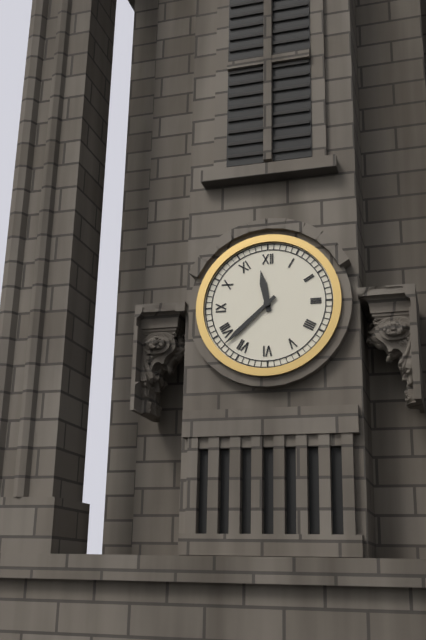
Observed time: 11:38
